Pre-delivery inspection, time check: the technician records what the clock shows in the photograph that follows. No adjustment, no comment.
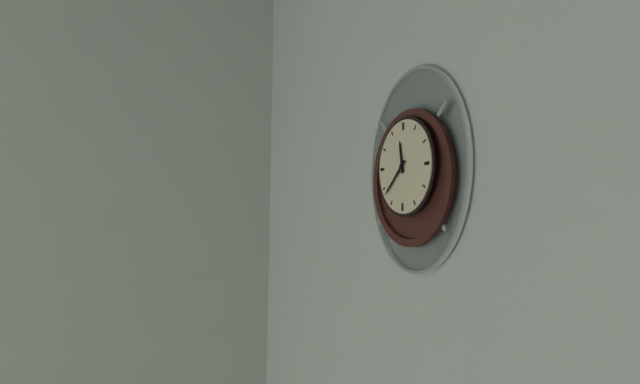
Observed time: 11:38
